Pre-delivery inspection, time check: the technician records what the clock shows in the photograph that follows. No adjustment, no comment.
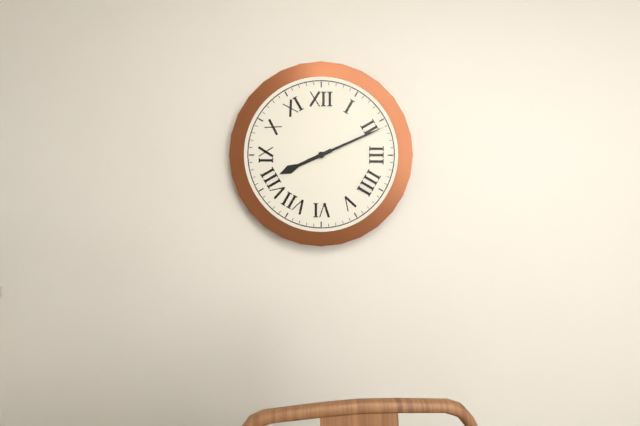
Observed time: 8:11
